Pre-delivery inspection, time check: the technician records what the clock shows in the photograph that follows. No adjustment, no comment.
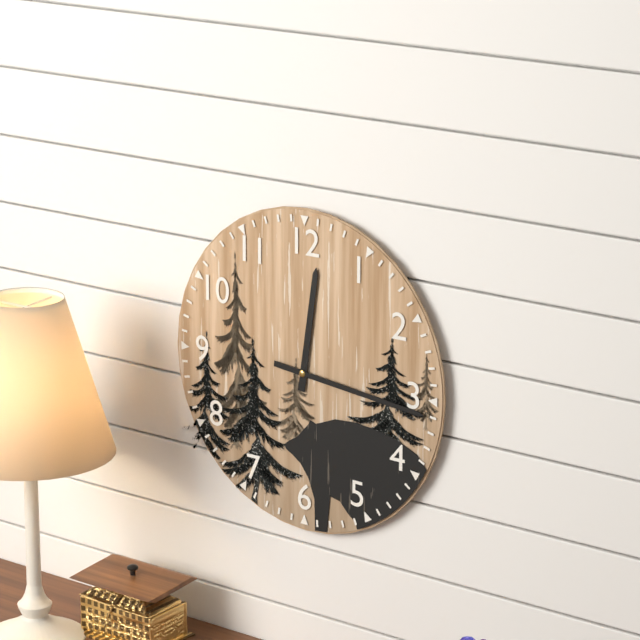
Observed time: 12:16
